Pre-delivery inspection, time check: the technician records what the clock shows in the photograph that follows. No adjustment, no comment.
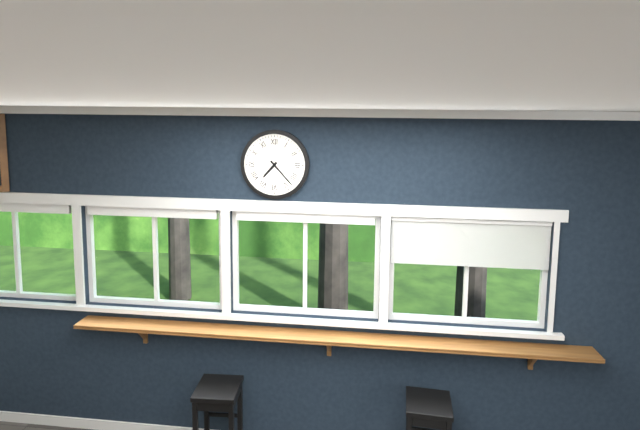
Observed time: 7:23
